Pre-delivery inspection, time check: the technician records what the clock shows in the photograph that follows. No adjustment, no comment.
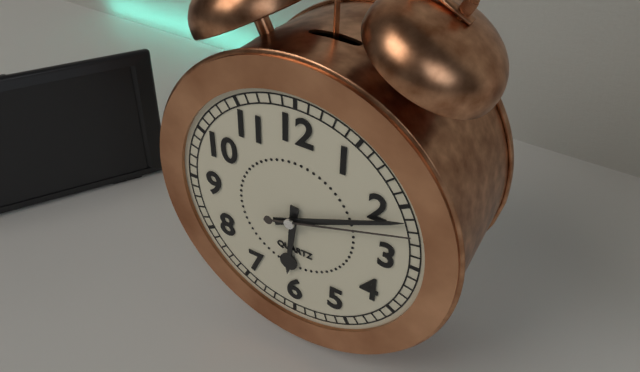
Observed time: 6:11:12
